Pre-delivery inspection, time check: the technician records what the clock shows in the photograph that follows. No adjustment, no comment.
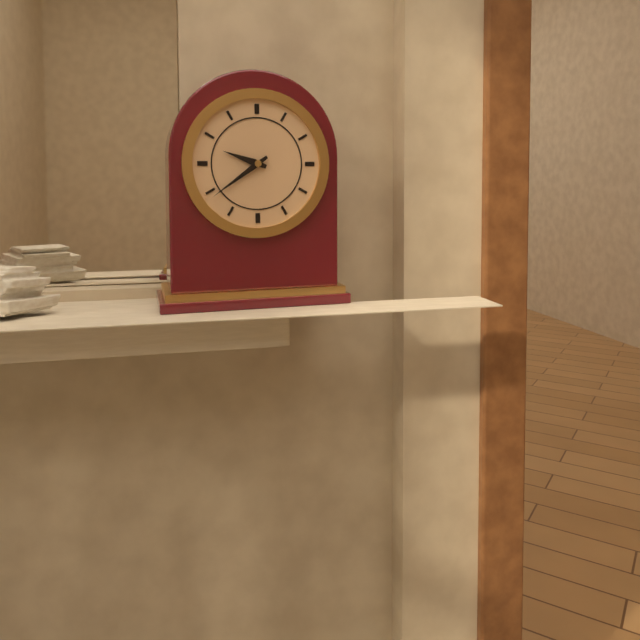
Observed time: 9:39
